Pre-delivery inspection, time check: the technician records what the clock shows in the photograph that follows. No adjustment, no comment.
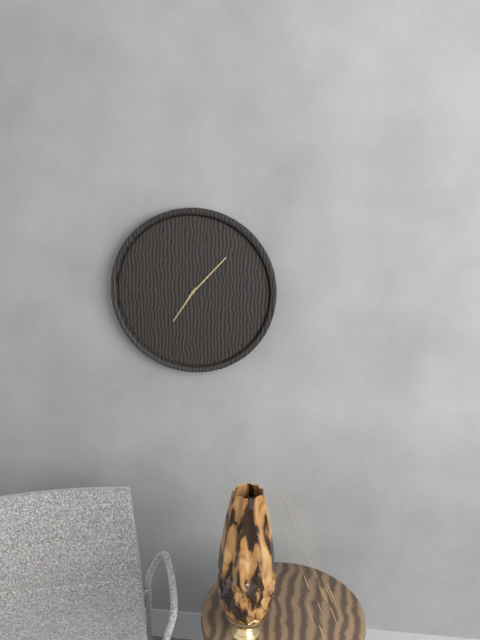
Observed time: 7:07
